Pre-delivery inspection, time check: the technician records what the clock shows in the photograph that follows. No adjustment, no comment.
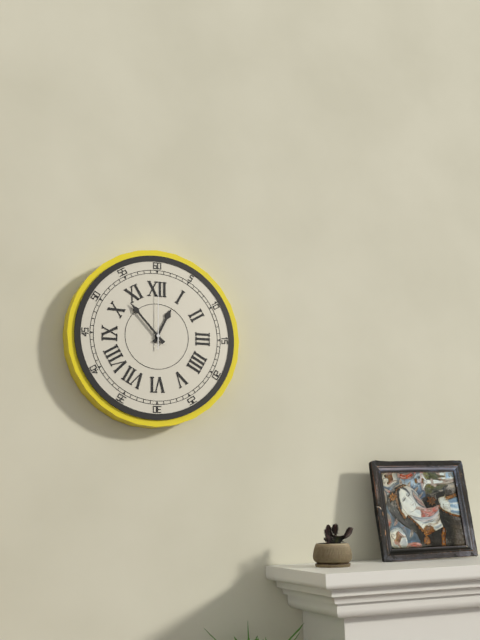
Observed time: 12:53:00
